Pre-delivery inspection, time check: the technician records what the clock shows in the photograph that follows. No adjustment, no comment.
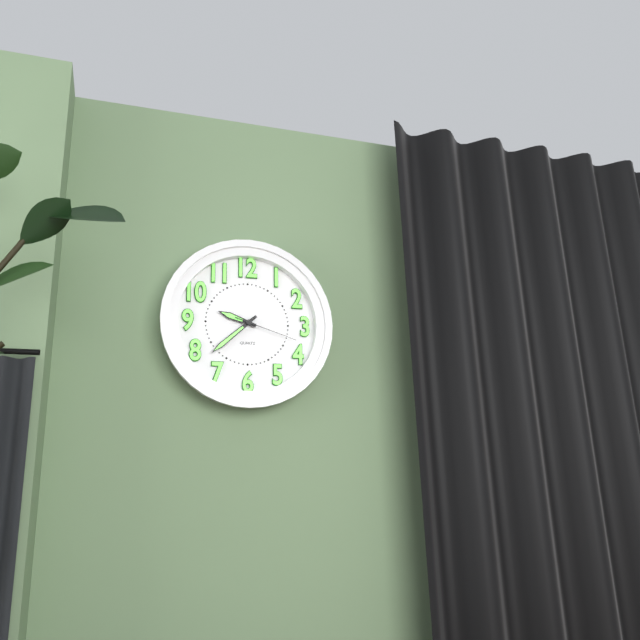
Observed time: 9:38:18
